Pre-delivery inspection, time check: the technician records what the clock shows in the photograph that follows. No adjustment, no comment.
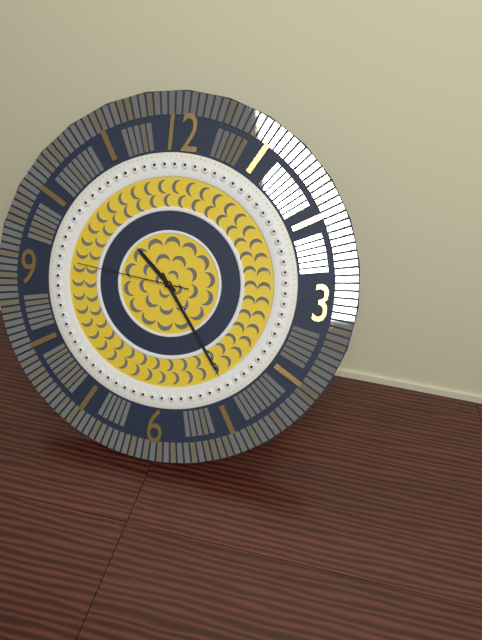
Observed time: 10:24:46
